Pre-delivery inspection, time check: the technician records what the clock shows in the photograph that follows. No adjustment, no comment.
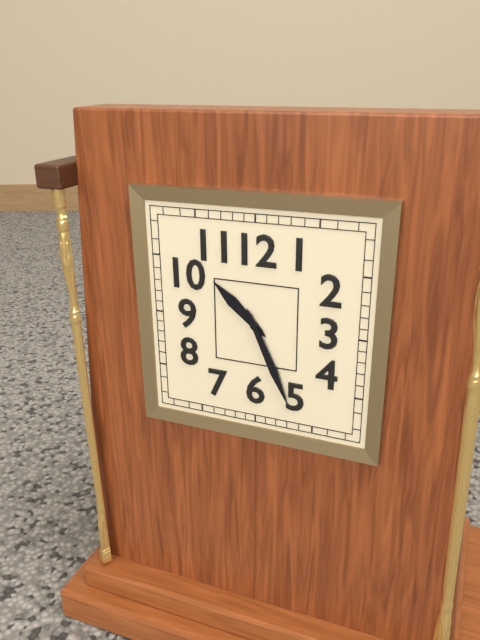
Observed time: 10:26
